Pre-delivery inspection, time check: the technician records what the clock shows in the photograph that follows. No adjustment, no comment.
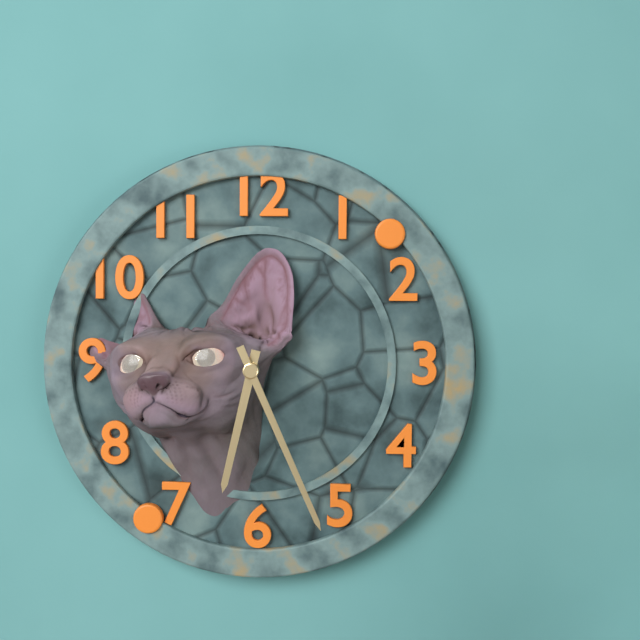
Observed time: 6:26
